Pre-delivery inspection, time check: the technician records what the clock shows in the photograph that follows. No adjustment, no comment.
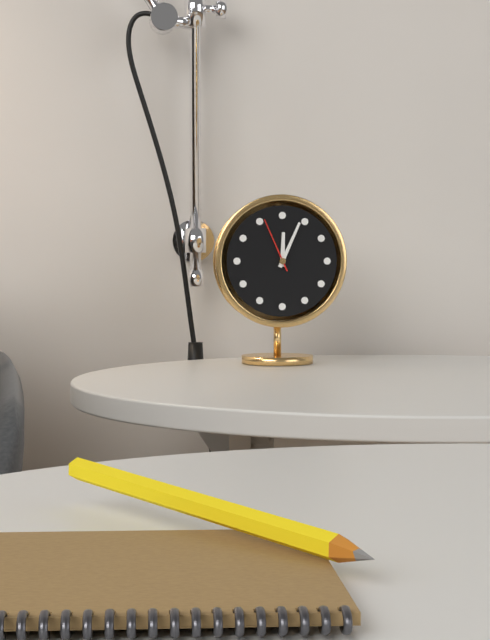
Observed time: 12:04:56
